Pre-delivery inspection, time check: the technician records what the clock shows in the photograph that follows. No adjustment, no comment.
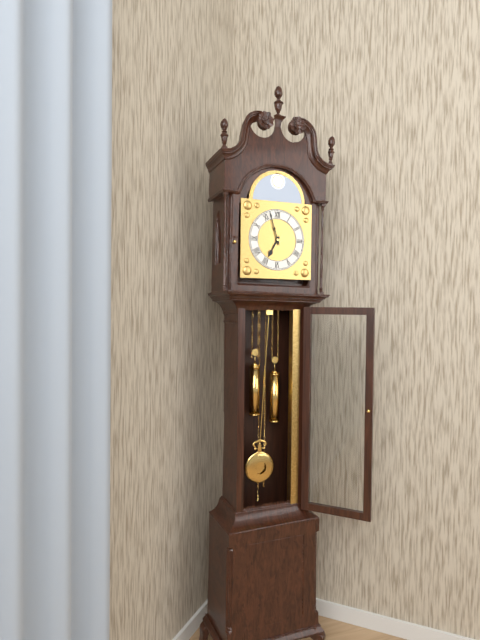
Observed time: 6:57
